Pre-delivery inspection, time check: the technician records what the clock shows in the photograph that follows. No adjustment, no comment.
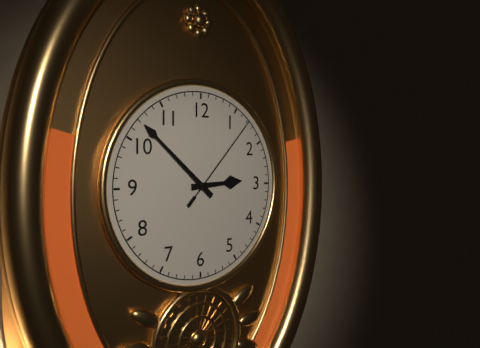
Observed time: 2:52:07
